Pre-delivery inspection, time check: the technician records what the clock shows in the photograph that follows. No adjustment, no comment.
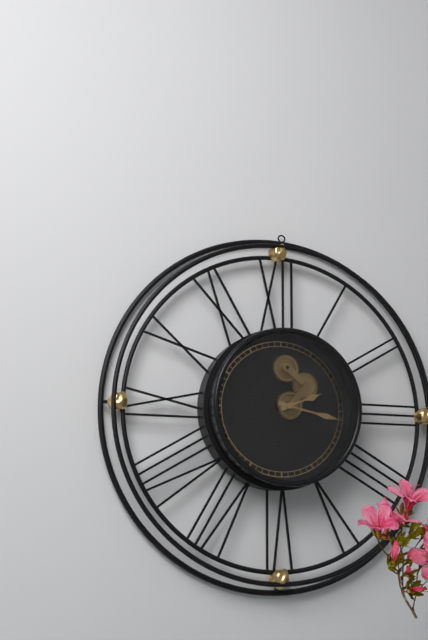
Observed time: 2:17
